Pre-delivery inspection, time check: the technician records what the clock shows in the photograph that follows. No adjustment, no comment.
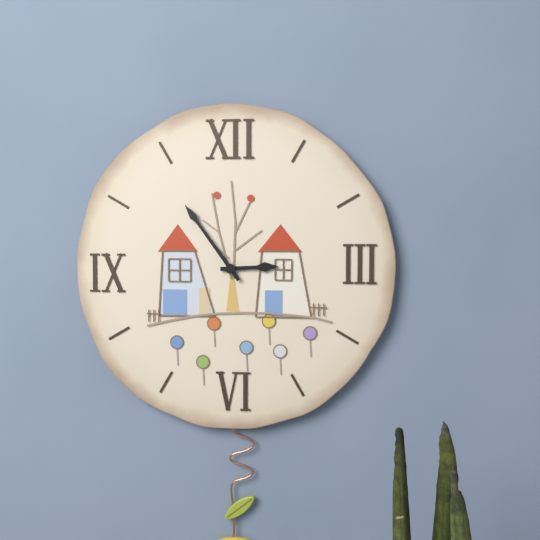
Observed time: 2:54
